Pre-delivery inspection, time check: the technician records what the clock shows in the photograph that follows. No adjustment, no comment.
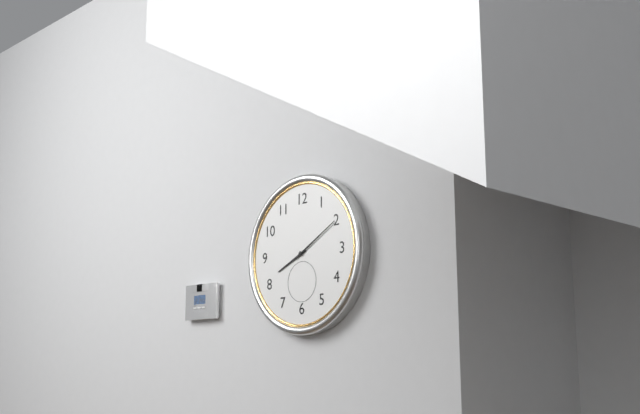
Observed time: 8:10
